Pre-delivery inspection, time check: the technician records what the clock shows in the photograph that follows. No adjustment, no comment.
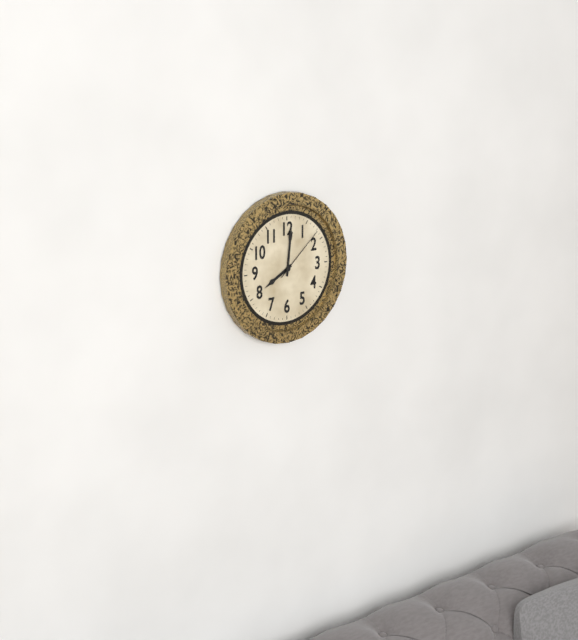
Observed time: 8:01:08
